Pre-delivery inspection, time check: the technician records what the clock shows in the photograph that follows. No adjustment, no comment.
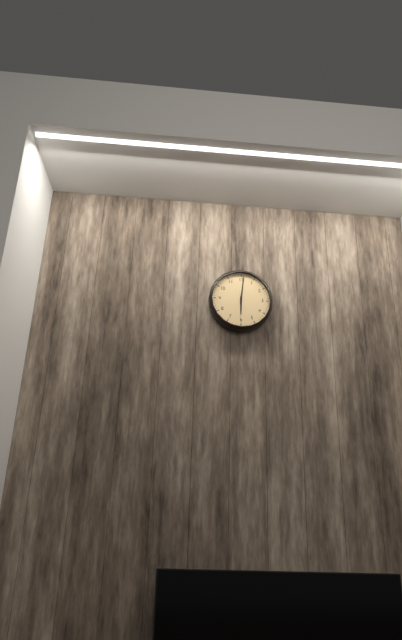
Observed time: 6:01
